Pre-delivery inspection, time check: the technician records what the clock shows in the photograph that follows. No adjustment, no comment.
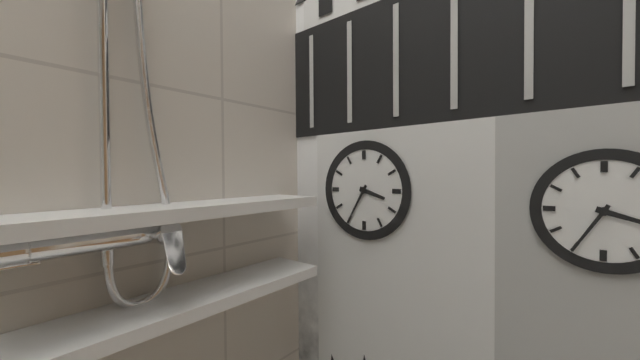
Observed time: 3:35
